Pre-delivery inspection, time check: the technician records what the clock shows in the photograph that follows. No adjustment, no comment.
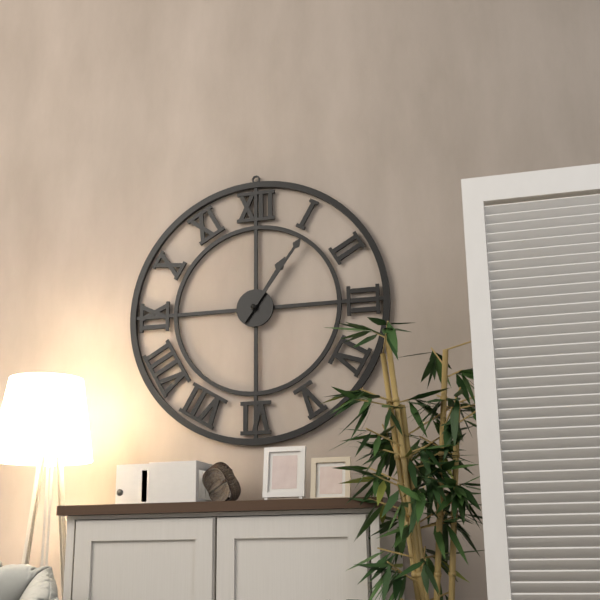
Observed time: 1:06
